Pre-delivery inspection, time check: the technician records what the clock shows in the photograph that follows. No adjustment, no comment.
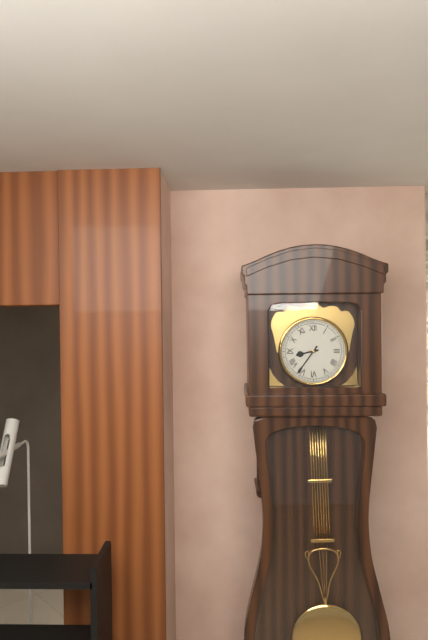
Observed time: 8:36
